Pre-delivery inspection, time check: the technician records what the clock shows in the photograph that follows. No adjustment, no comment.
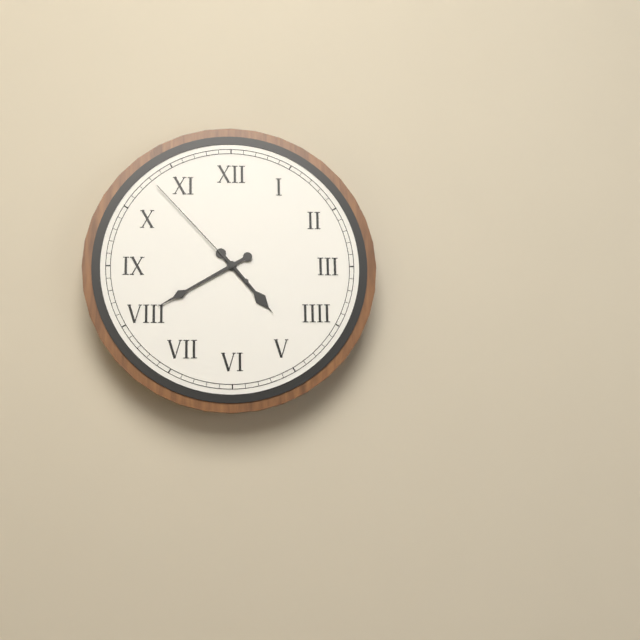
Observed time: 4:40:53
